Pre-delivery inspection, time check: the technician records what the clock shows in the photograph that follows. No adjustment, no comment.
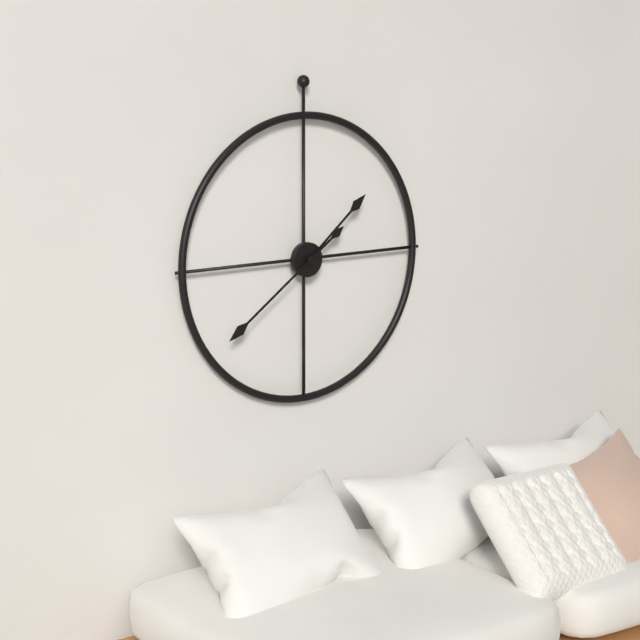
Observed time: 1:39
